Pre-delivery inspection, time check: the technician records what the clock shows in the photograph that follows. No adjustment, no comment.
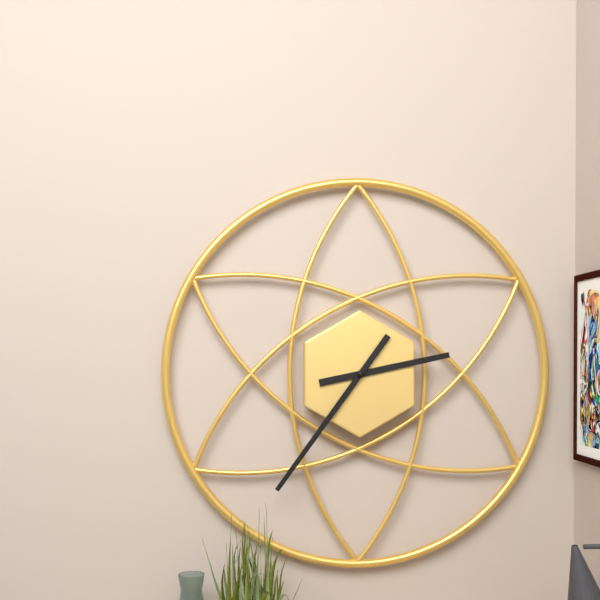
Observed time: 2:36
